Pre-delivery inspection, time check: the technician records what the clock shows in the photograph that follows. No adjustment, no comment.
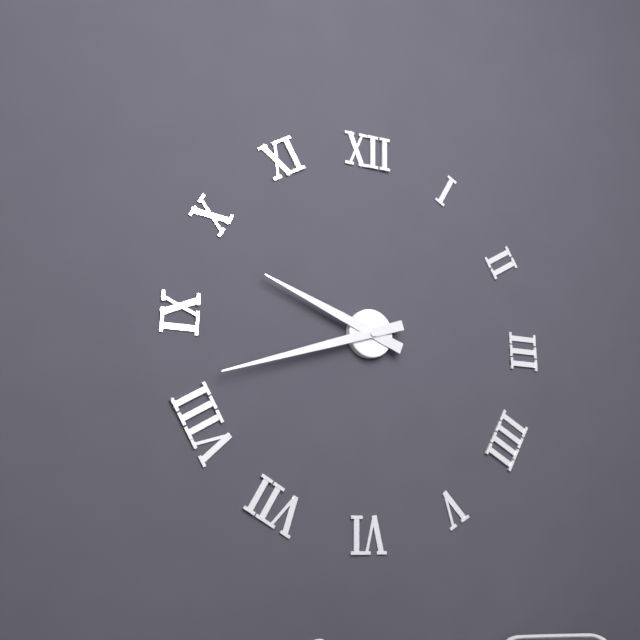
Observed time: 9:42
